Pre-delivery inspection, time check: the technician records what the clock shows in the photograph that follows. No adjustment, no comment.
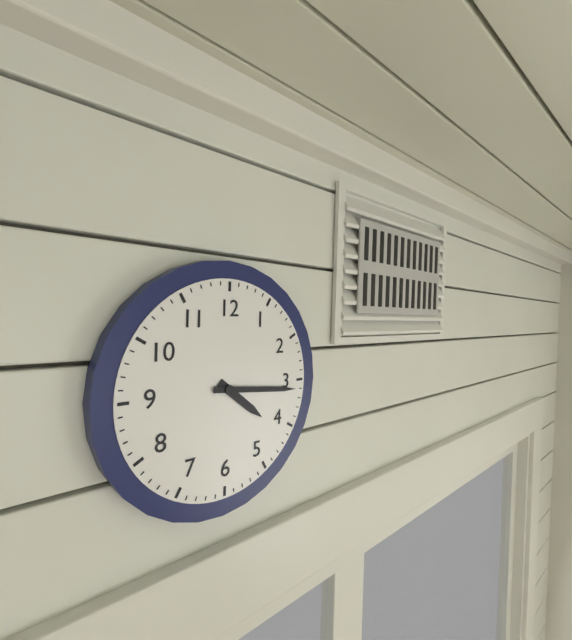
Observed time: 4:16
